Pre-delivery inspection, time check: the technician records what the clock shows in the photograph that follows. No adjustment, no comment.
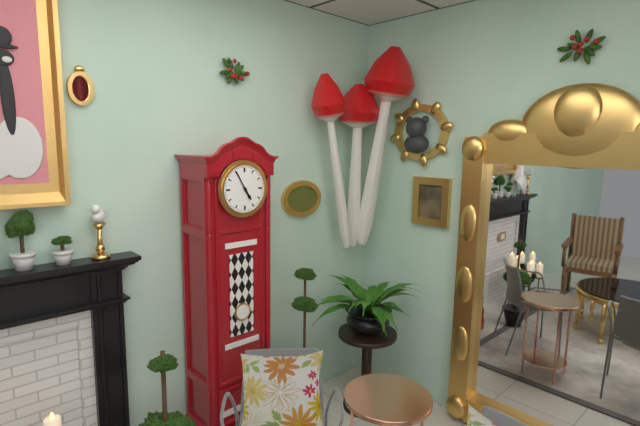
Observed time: 4:55
